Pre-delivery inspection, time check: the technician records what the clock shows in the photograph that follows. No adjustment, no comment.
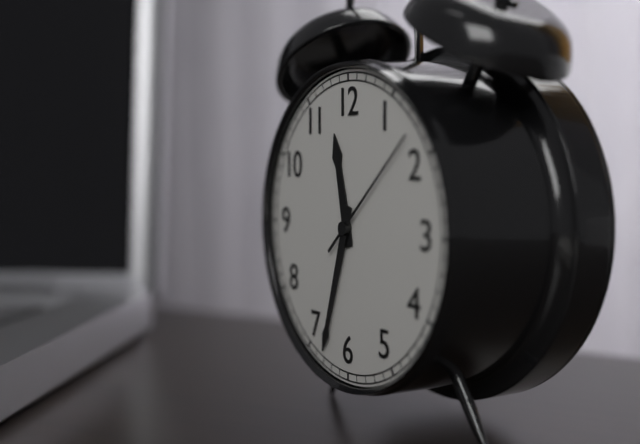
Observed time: 11:33:08
